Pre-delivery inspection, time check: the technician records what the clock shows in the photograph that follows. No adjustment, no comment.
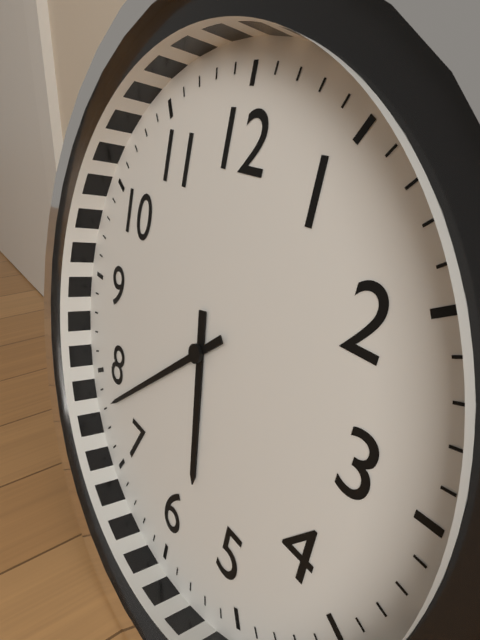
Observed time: 5:38
